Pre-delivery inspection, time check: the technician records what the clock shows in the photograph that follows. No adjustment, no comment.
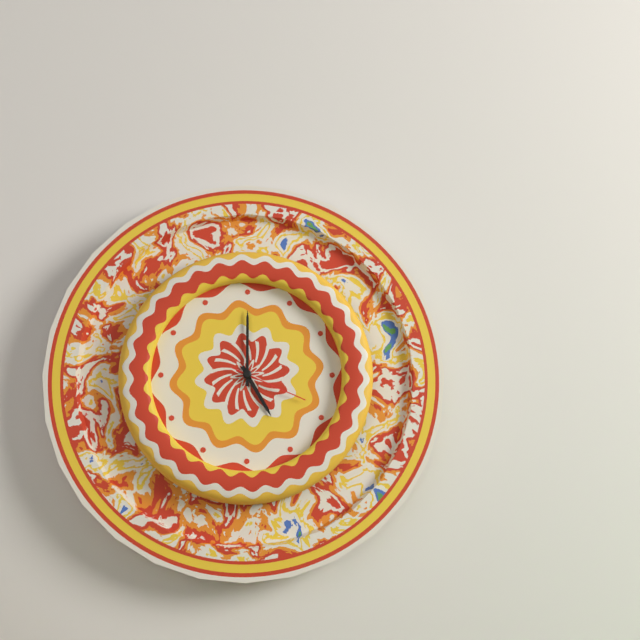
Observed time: 5:00:19
